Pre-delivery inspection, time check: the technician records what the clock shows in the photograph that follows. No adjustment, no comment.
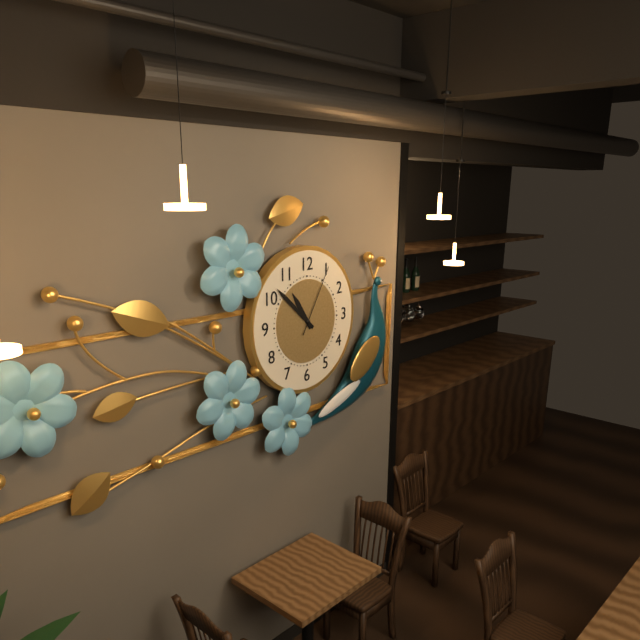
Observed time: 10:52:05
